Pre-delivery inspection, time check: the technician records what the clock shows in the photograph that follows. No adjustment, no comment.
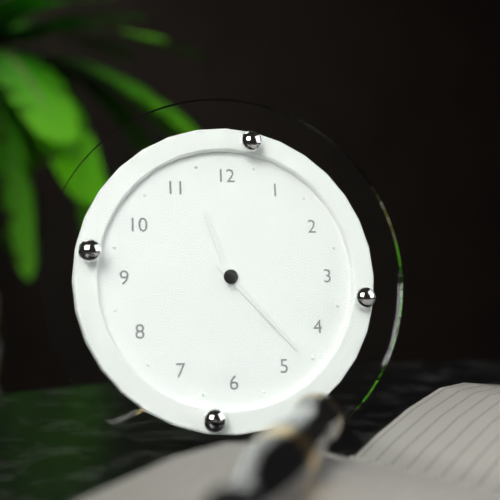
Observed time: 11:23
